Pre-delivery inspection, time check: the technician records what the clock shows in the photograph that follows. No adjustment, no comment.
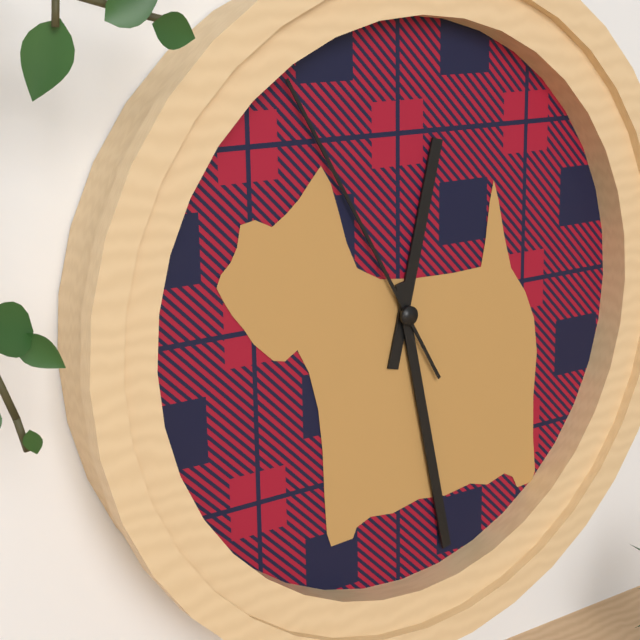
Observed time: 12:28:55
